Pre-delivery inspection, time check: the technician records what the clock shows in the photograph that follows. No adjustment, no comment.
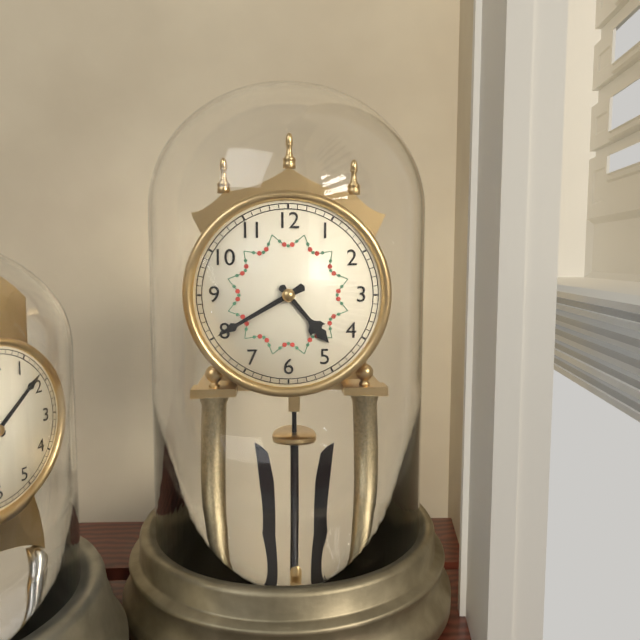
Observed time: 4:40
